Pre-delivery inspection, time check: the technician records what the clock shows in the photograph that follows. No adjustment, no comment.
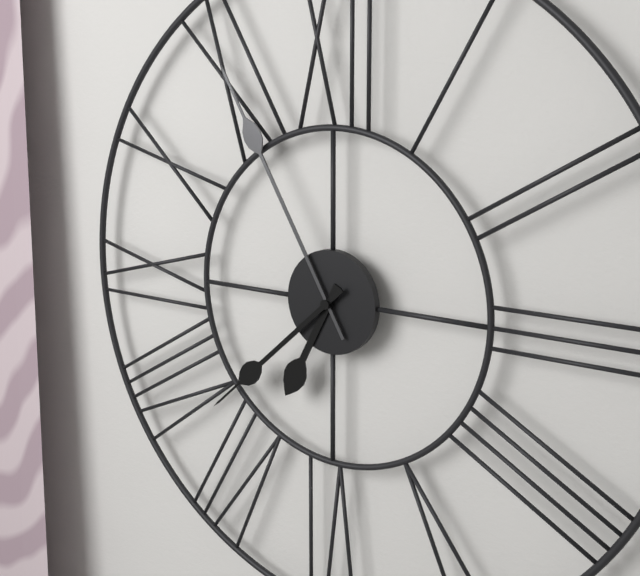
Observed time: 6:55:38
